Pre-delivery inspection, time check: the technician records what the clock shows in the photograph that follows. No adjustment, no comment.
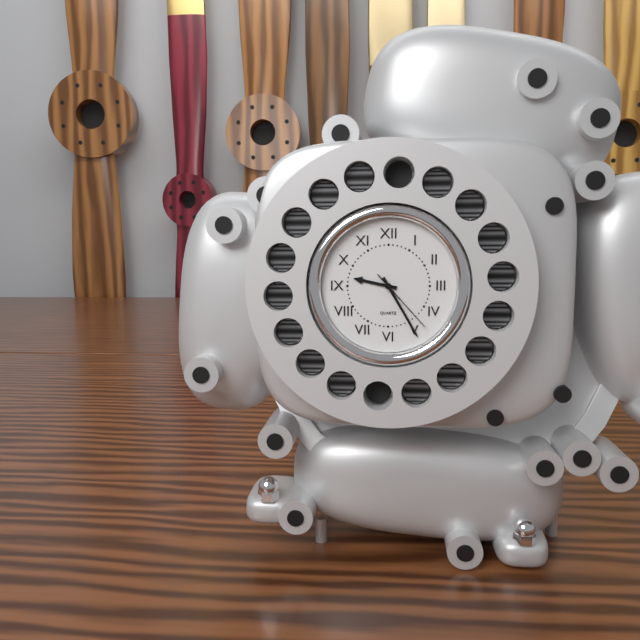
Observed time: 9:25:23
